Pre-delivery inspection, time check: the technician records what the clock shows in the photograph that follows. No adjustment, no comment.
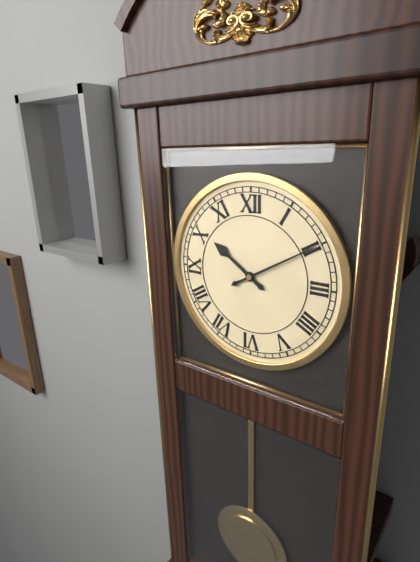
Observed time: 10:10
